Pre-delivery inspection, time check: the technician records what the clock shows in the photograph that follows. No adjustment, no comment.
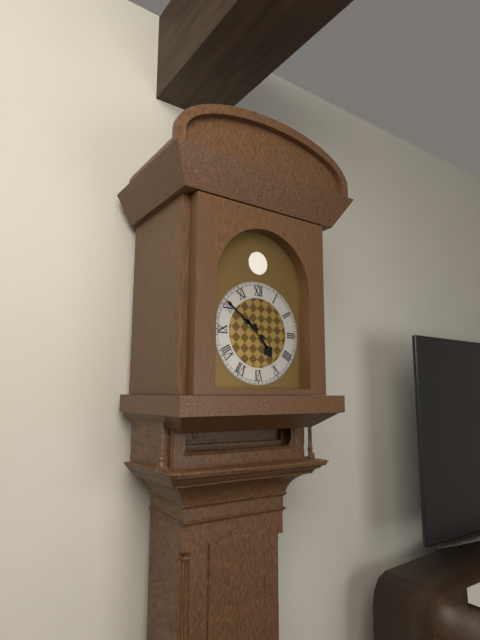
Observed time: 4:51
